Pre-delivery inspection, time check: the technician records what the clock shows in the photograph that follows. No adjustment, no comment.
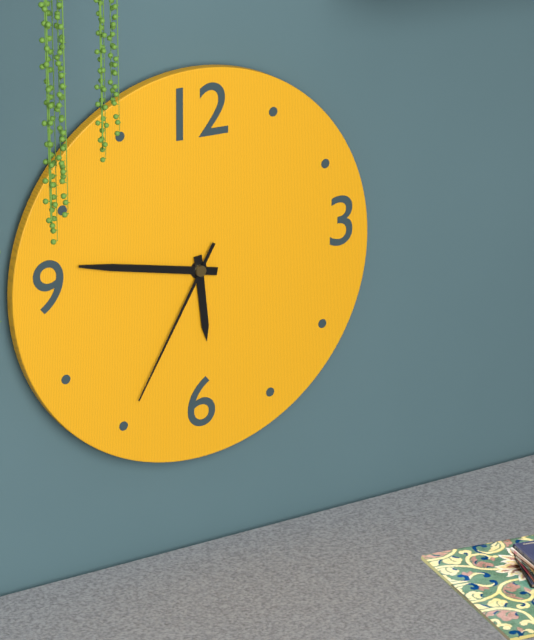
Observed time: 5:47:35
